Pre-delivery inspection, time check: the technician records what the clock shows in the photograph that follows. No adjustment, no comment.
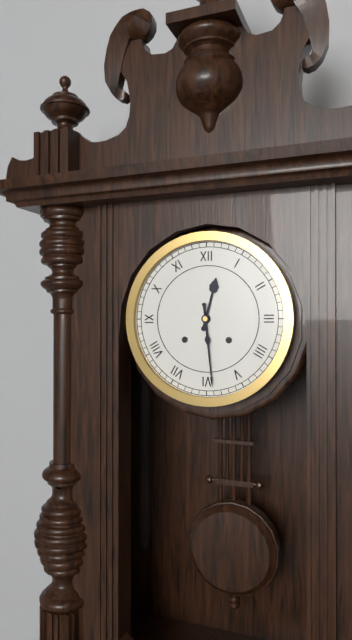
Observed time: 12:29
